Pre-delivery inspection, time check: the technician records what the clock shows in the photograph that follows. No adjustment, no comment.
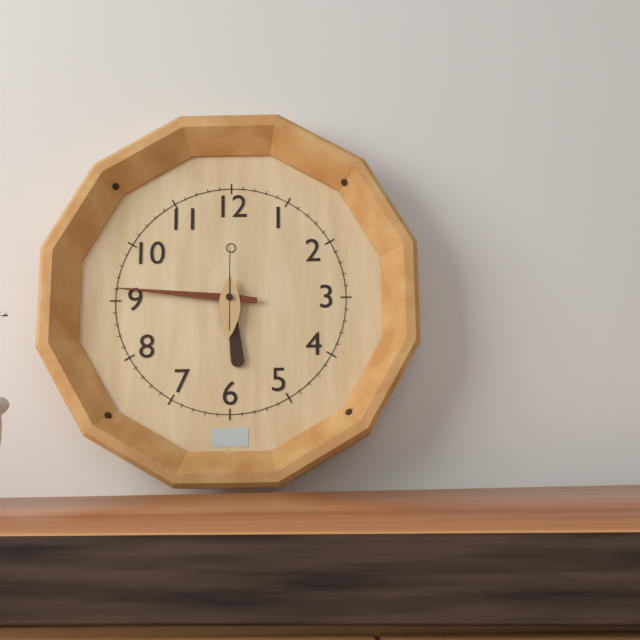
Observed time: 5:46:00
